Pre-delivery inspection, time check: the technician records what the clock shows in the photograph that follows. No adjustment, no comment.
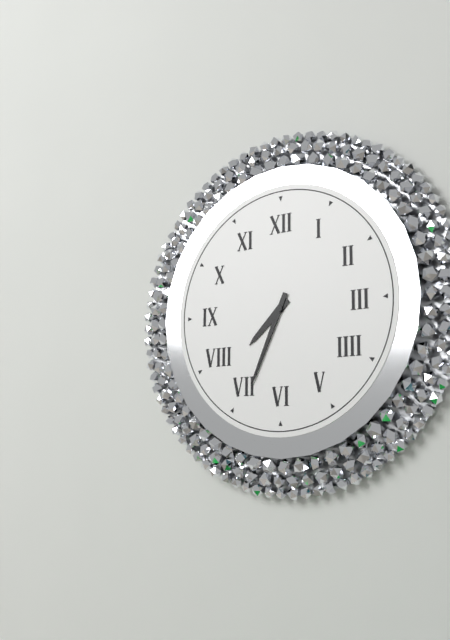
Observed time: 7:34
